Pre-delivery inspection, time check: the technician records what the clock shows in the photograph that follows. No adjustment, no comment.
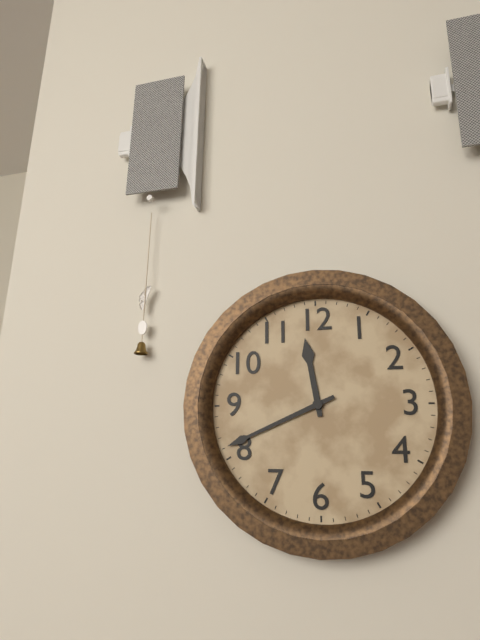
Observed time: 11:41
